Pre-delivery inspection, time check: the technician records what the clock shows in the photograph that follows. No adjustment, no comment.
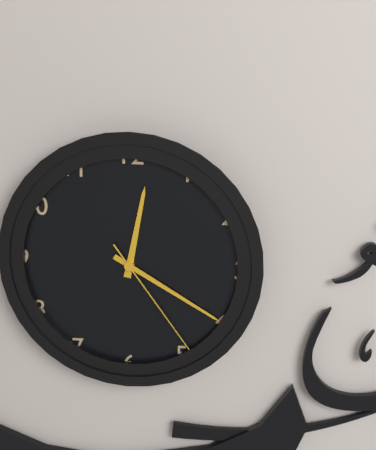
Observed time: 12:20:24
